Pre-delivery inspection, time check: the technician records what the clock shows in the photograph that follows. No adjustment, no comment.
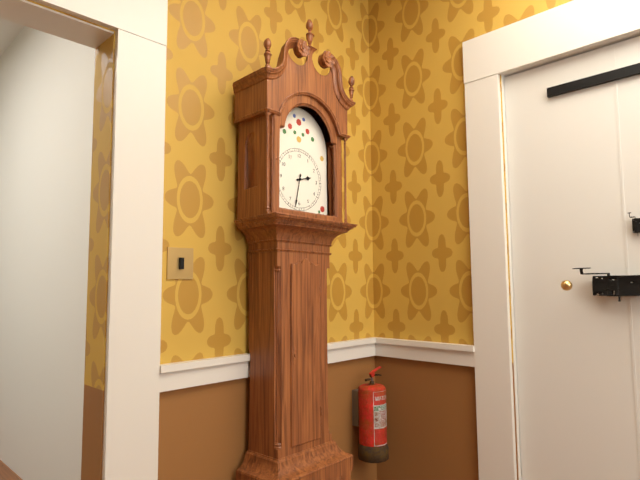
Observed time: 2:32
